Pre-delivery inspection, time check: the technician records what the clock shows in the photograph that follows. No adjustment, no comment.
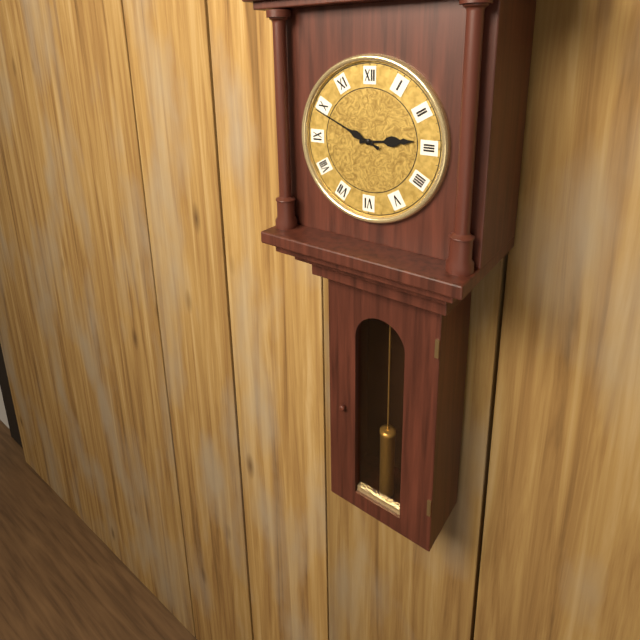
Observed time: 2:49
